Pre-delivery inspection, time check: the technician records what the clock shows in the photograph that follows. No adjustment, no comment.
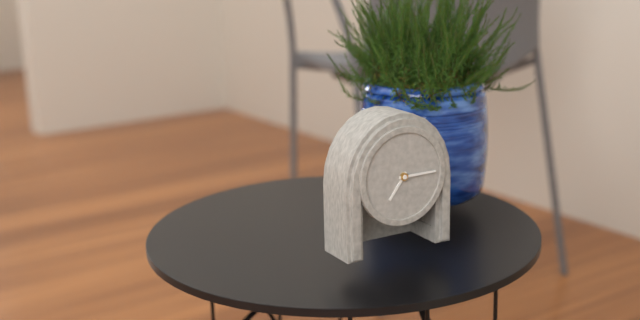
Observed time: 7:15
